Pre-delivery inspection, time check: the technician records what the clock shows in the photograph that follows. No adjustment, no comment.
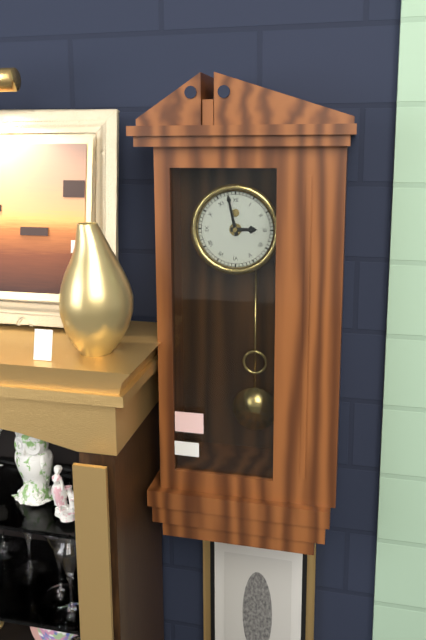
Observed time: 2:58
